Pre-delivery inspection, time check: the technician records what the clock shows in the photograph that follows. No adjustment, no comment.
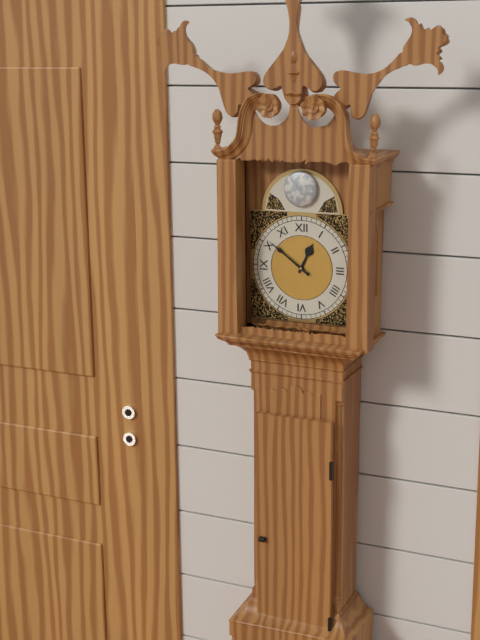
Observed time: 12:51
